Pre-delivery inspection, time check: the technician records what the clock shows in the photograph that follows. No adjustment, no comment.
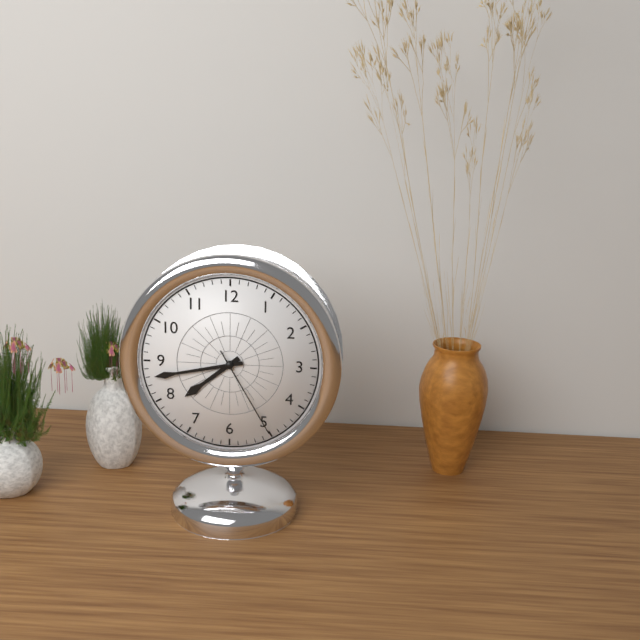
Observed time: 7:43:25
